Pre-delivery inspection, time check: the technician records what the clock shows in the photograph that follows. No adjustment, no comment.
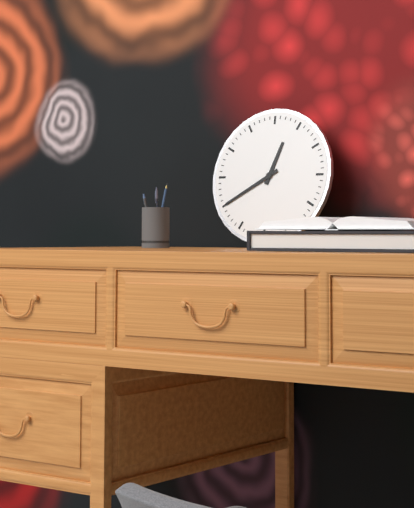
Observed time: 12:40
